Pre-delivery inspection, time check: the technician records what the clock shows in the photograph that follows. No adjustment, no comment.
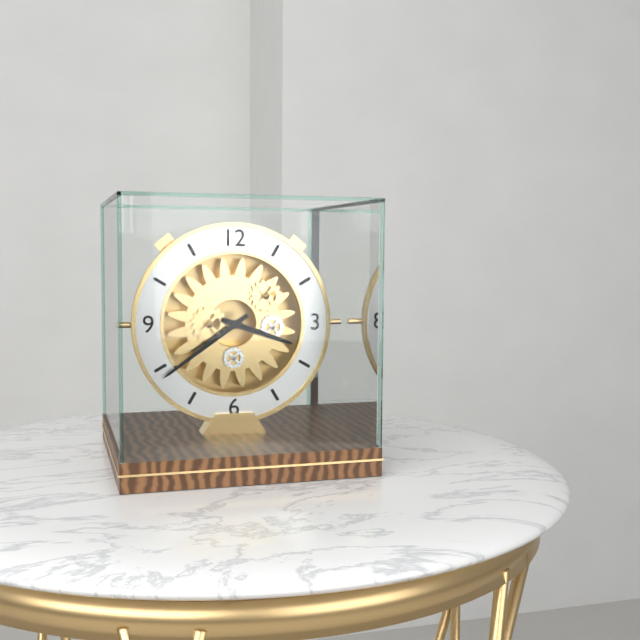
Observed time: 3:39
